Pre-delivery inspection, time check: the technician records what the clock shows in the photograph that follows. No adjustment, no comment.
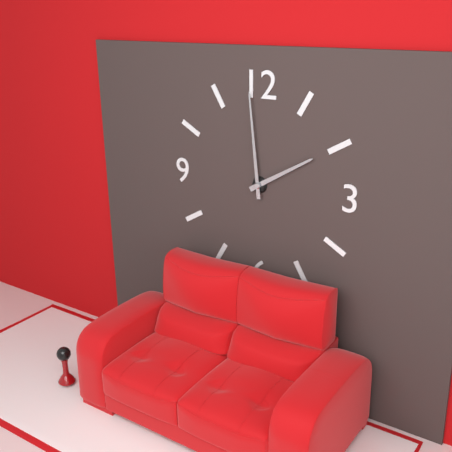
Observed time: 1:59
